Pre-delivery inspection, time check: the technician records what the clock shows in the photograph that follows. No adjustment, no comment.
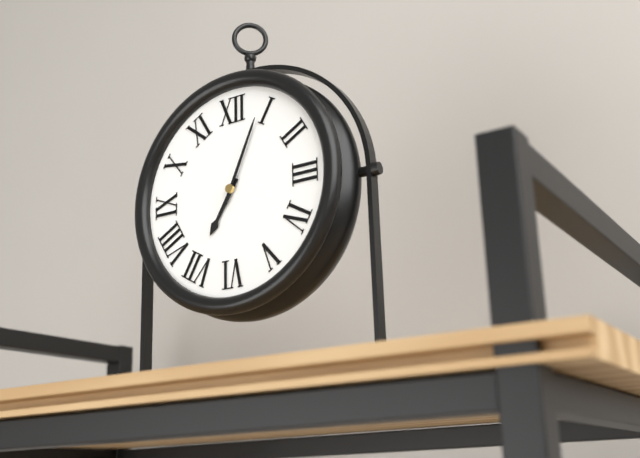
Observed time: 7:04
